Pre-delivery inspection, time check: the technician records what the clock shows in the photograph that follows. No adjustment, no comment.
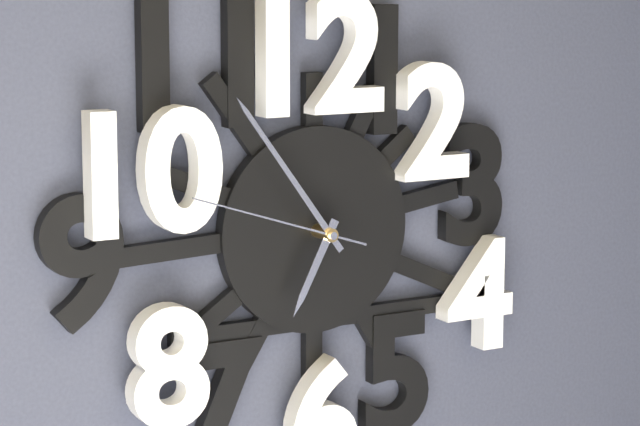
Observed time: 6:54:48
